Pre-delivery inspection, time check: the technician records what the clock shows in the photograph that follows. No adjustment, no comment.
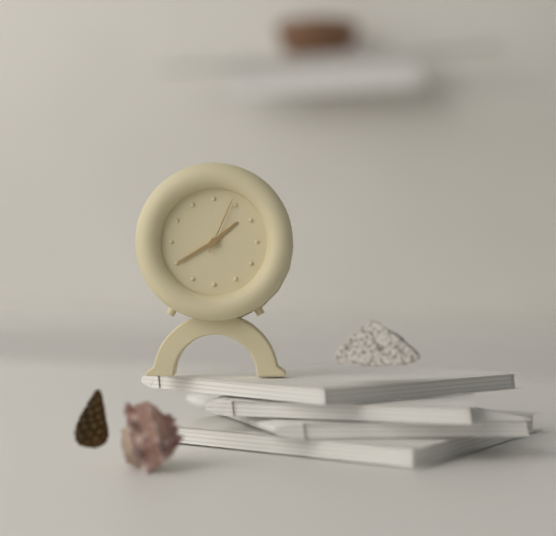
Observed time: 1:40:04
